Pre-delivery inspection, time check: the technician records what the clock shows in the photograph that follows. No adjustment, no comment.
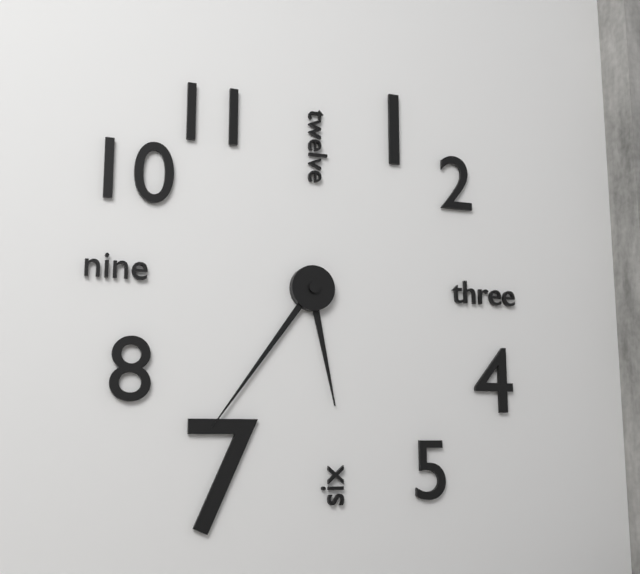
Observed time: 5:36
